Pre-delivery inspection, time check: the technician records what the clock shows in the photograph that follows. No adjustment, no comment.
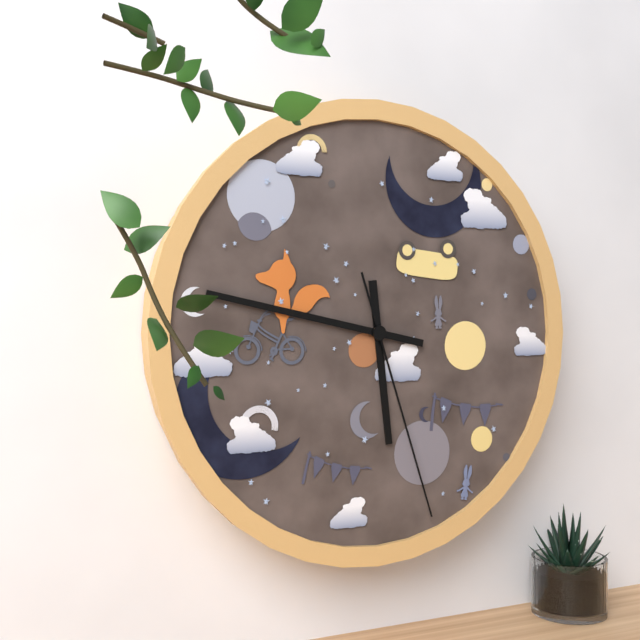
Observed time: 5:47:27
